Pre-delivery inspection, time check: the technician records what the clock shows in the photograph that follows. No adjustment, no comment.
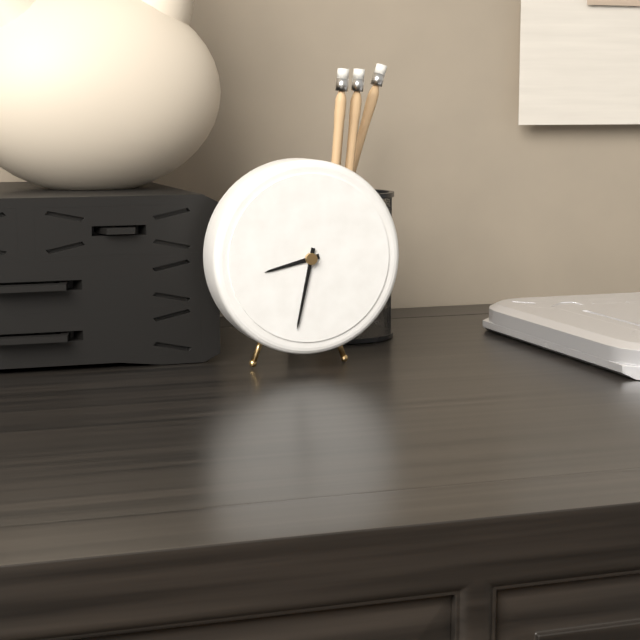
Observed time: 8:32
